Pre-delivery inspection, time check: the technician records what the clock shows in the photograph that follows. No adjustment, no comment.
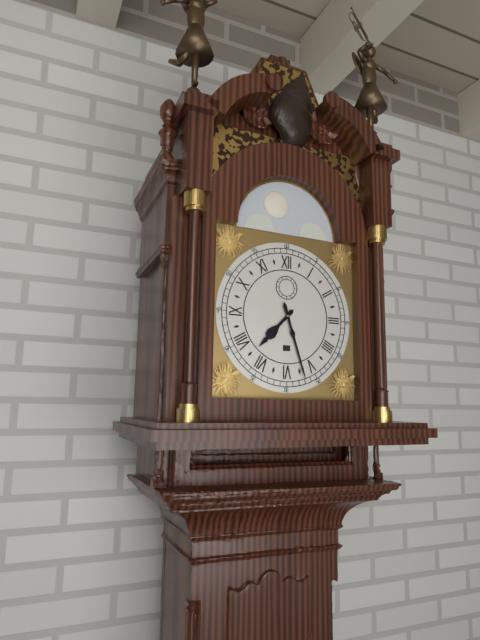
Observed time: 7:27
